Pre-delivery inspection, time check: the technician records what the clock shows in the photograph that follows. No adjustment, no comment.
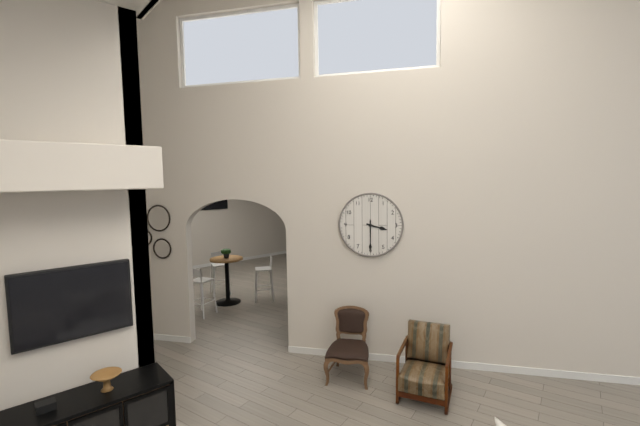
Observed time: 3:30
